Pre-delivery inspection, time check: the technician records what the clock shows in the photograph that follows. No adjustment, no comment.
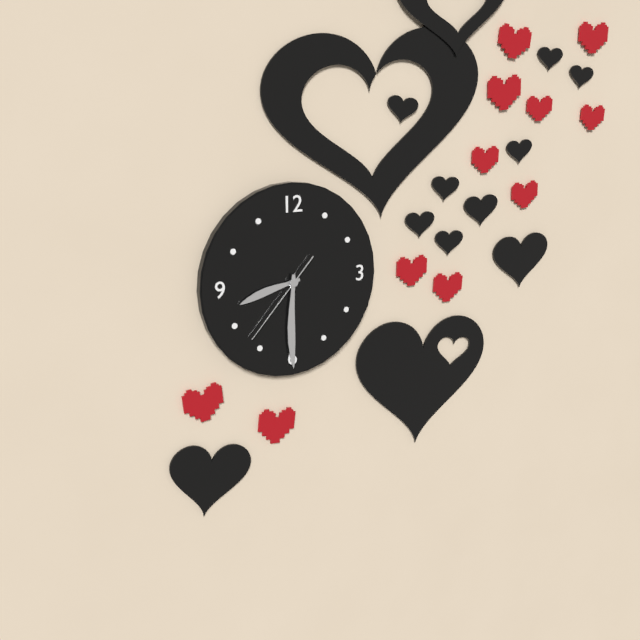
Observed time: 8:30:37
